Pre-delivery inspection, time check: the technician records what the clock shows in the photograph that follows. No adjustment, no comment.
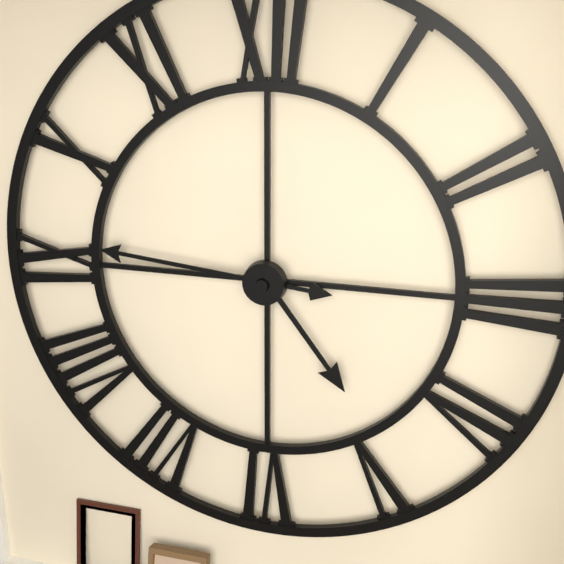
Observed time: 4:46
